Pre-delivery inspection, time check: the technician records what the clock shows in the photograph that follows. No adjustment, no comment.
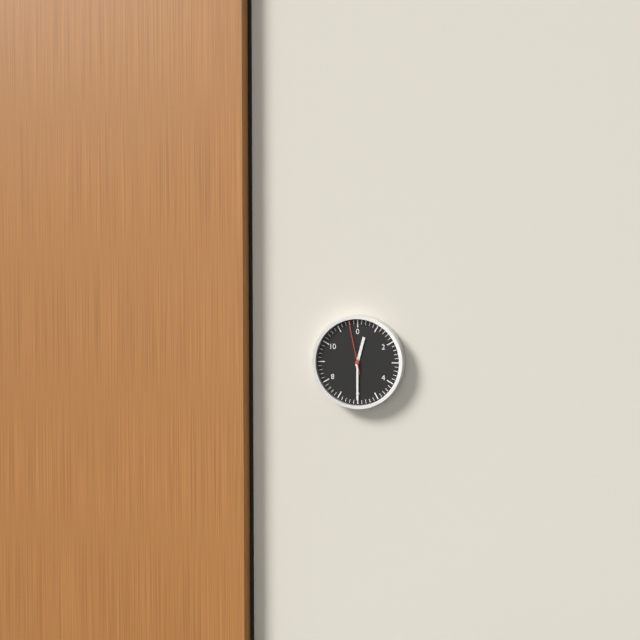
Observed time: 12:30:58
